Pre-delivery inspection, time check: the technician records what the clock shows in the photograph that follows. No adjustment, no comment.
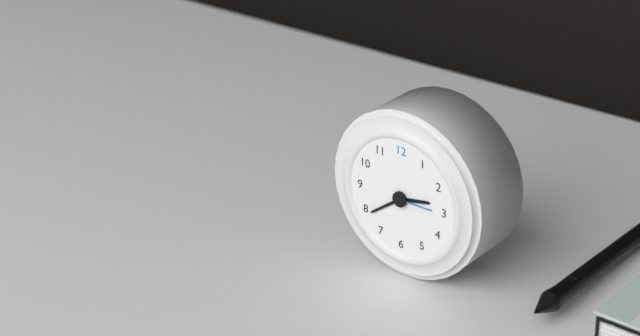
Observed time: 2:39
